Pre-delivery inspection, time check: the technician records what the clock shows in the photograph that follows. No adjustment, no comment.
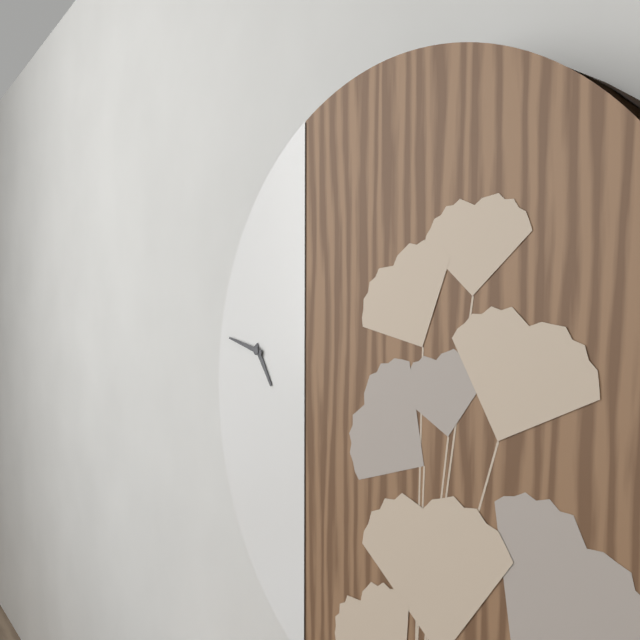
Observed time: 4:47
